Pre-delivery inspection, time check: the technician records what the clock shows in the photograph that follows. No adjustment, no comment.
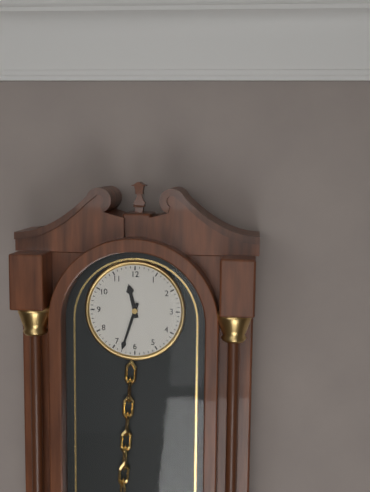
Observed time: 11:33
